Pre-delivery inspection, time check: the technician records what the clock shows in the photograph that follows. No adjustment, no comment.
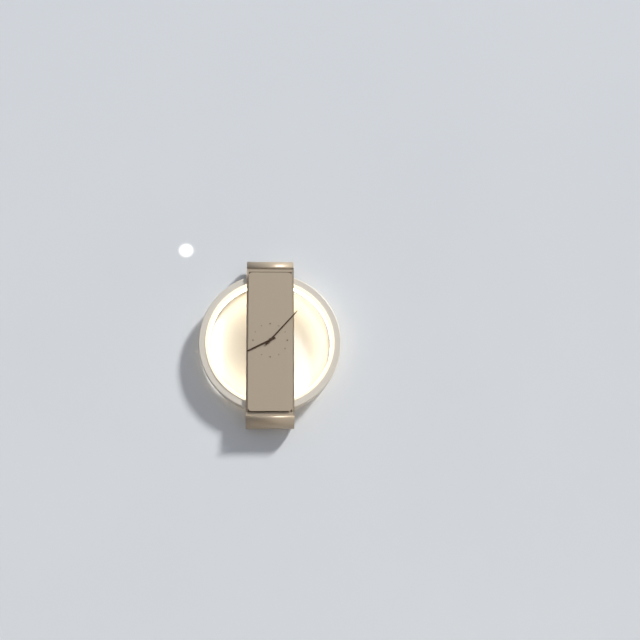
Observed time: 8:07
